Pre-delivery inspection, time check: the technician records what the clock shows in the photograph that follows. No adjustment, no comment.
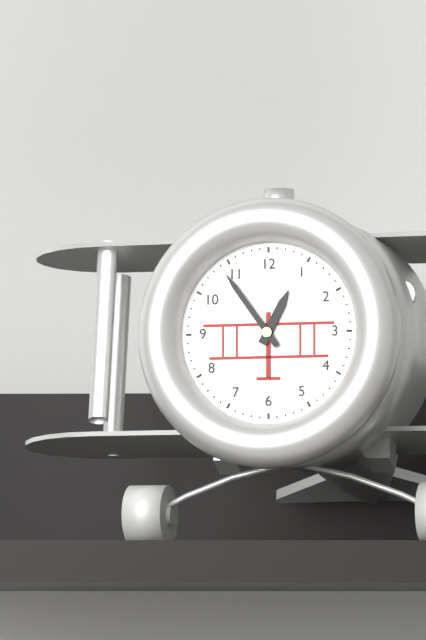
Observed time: 12:54
